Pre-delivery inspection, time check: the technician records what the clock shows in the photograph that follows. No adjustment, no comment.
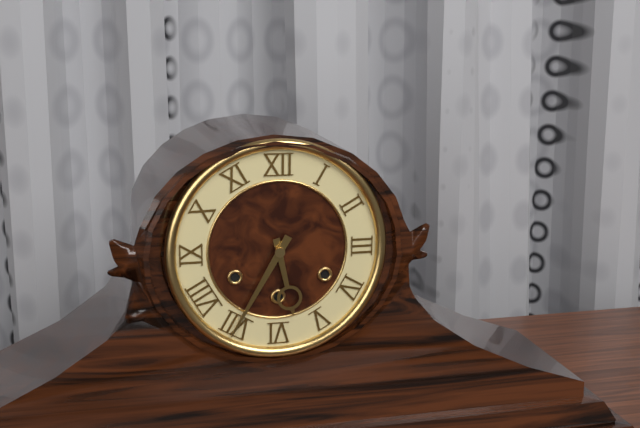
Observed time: 5:35
